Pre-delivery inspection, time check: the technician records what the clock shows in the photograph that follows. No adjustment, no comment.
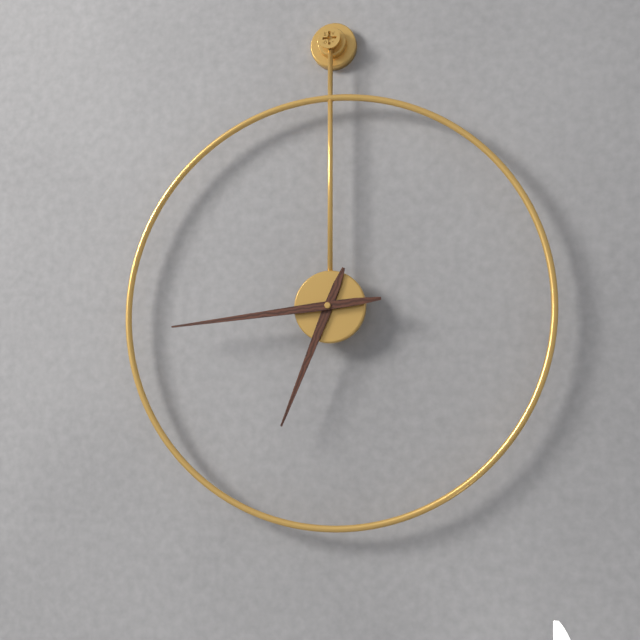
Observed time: 6:44
